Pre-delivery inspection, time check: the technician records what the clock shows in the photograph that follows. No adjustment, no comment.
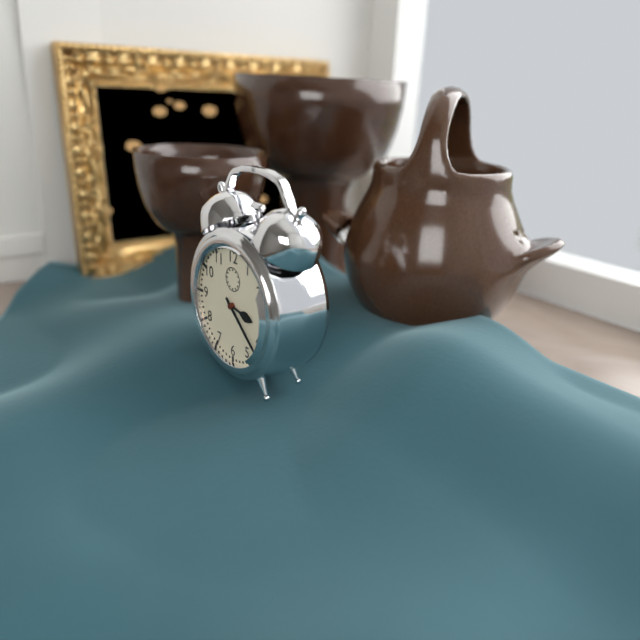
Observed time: 3:22
